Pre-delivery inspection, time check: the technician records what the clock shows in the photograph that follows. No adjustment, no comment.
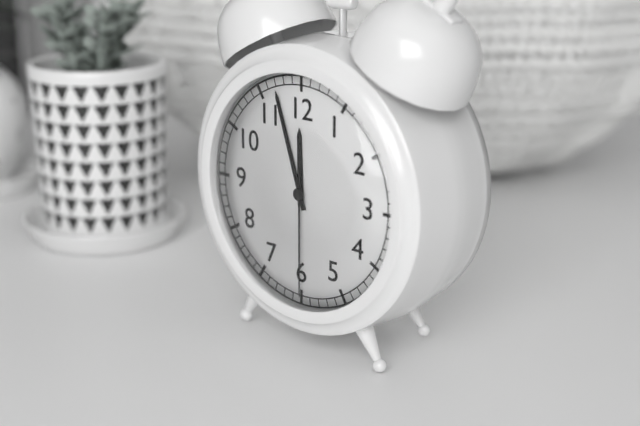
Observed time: 11:57:30
